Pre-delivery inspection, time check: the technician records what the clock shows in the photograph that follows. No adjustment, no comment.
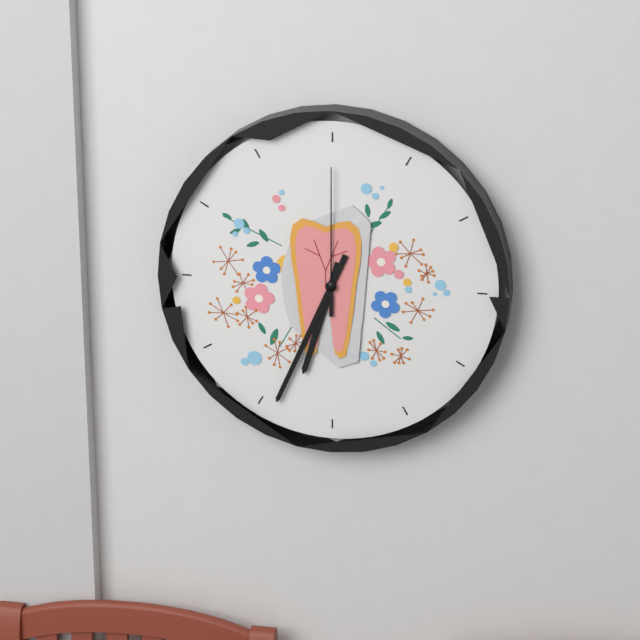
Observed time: 6:34:00
